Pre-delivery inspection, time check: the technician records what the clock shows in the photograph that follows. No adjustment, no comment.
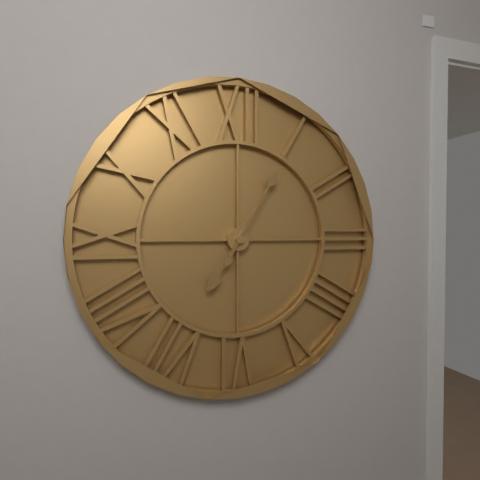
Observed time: 7:05
